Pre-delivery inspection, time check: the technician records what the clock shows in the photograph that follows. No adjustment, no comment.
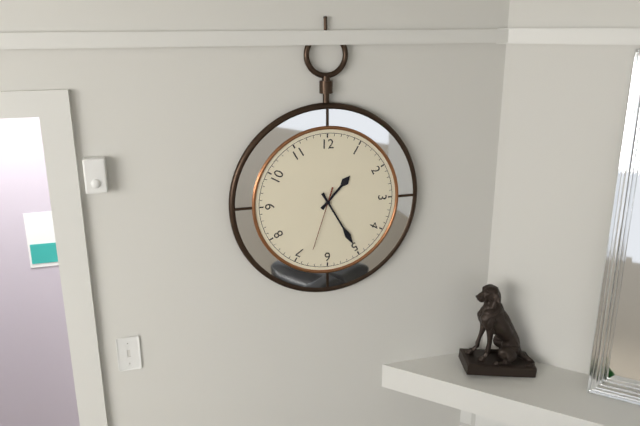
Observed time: 1:25:33
